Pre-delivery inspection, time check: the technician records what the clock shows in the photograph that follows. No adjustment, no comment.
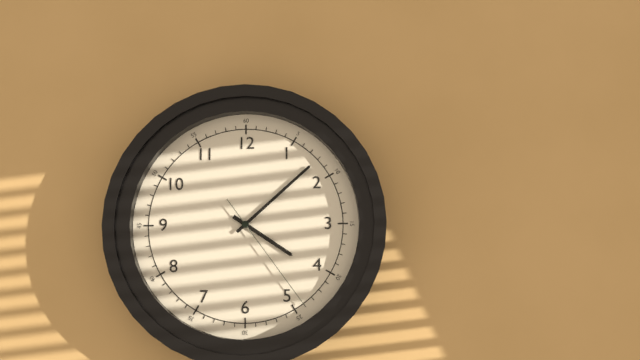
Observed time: 4:08:24
